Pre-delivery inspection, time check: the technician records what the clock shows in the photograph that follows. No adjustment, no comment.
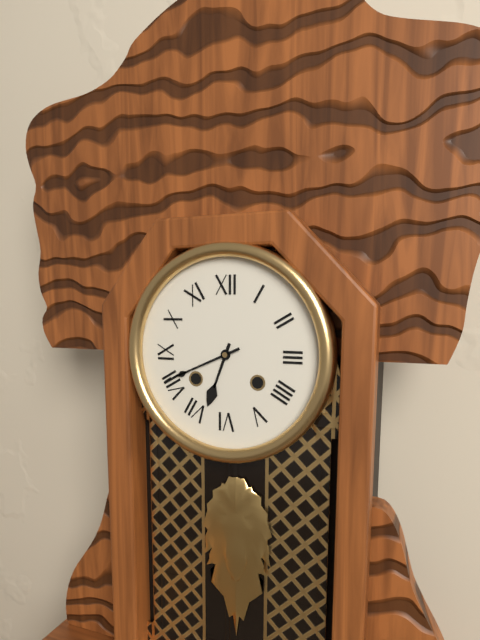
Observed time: 6:41
